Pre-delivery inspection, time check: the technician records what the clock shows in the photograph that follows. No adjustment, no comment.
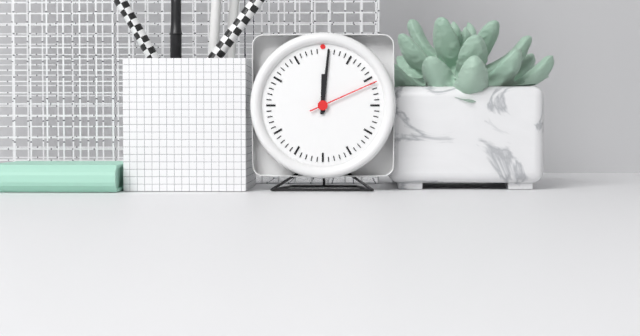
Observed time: 12:01:11
